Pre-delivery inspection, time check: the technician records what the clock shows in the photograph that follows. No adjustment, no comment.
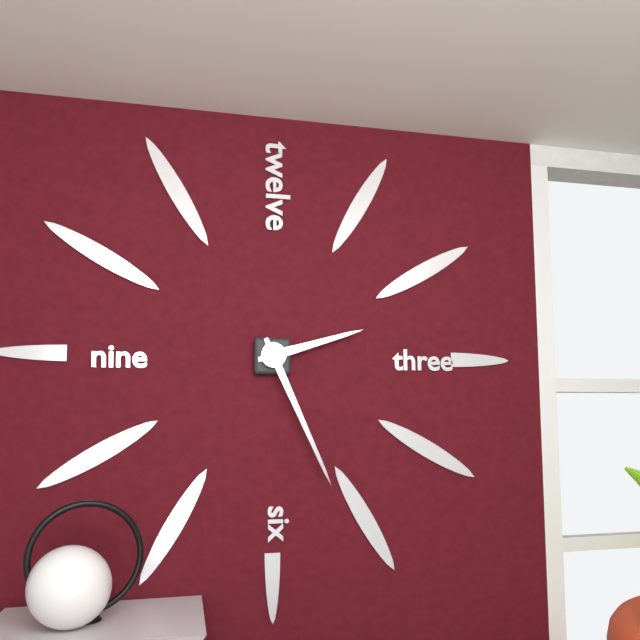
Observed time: 2:26
